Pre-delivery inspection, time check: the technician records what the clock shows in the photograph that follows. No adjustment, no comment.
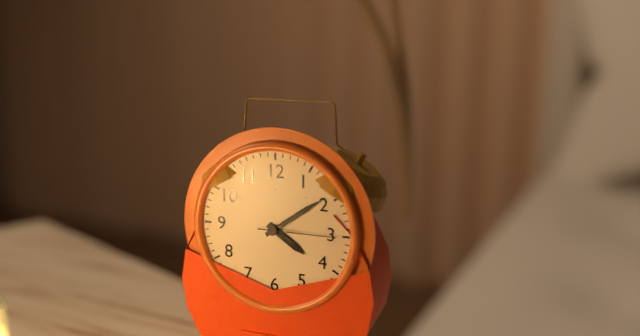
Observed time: 4:09:15
